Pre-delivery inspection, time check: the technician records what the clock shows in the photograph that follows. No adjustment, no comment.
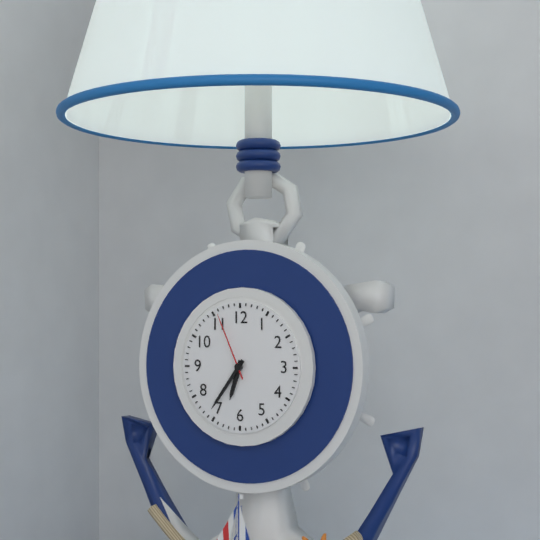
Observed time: 6:36:56
